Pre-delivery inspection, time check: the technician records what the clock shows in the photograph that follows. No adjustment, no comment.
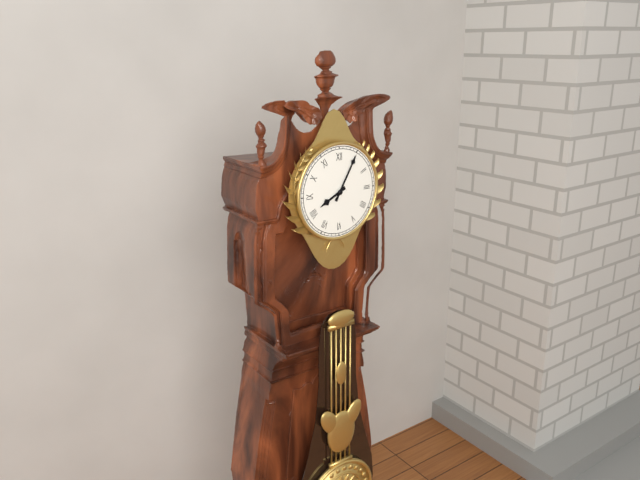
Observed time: 8:05
